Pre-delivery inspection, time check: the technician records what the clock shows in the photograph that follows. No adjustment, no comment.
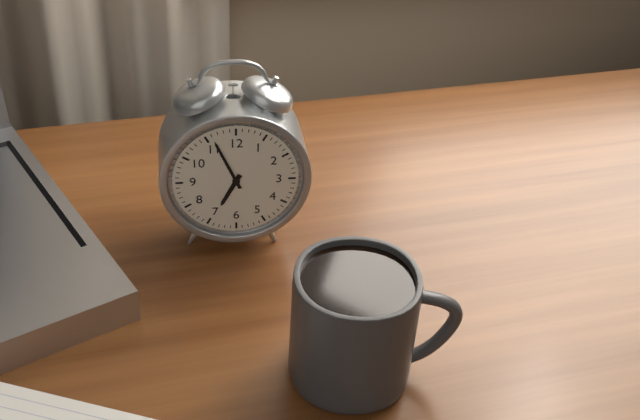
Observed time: 6:56
